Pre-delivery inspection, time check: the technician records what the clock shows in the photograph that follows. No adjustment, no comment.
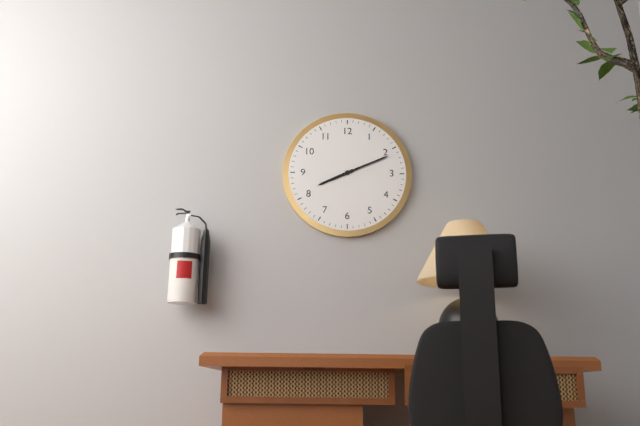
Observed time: 8:11
